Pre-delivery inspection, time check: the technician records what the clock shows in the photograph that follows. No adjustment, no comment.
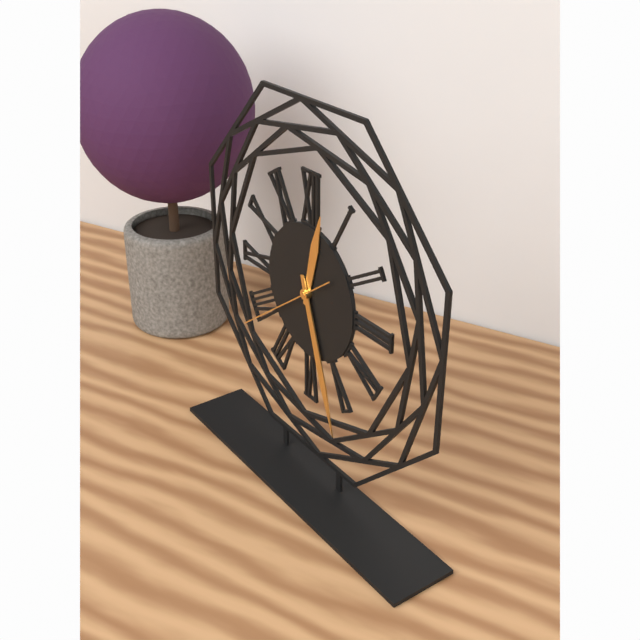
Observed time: 12:27:39
